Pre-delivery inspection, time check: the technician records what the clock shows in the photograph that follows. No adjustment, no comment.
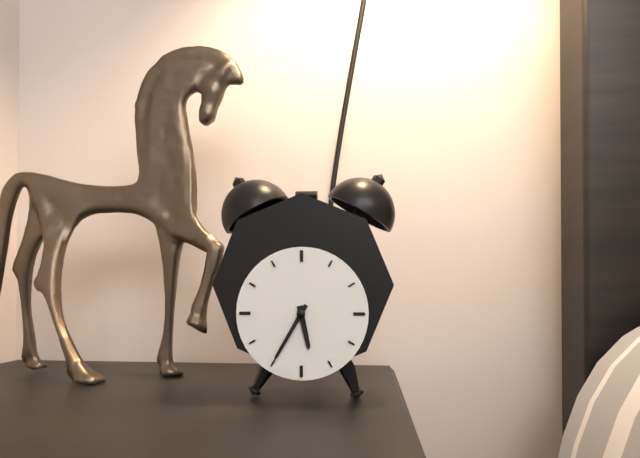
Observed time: 5:35
